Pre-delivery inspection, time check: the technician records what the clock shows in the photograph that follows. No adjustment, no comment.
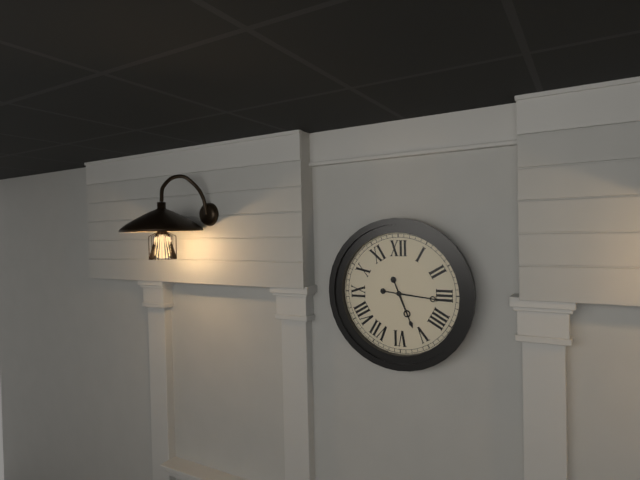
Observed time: 5:16
